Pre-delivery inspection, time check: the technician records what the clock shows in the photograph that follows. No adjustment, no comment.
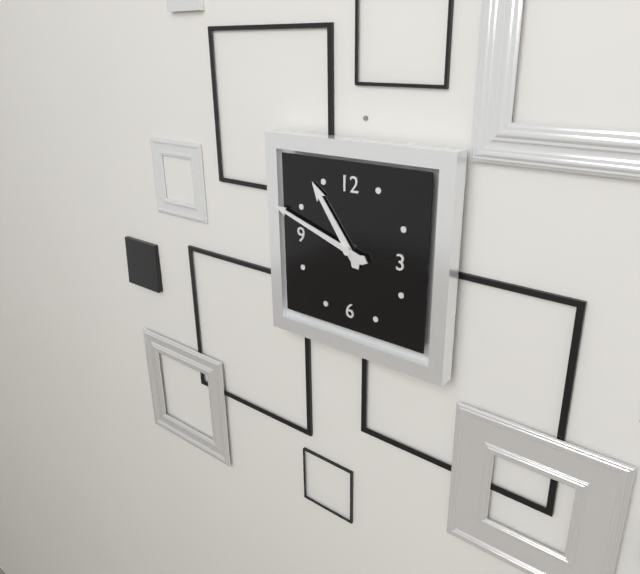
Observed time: 10:48
